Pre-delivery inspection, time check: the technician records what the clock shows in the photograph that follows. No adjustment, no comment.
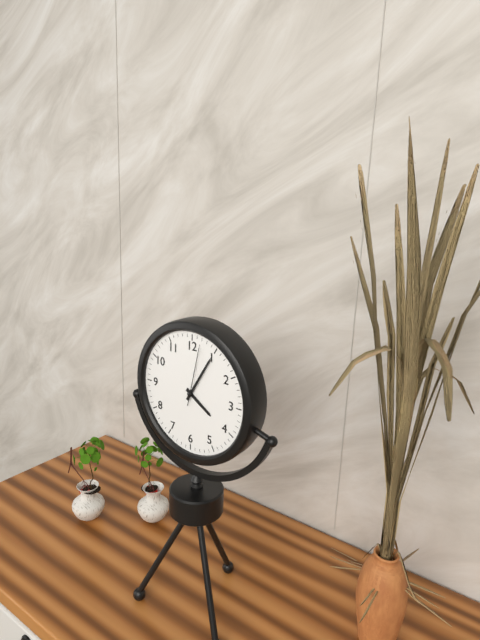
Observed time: 4:05:02
